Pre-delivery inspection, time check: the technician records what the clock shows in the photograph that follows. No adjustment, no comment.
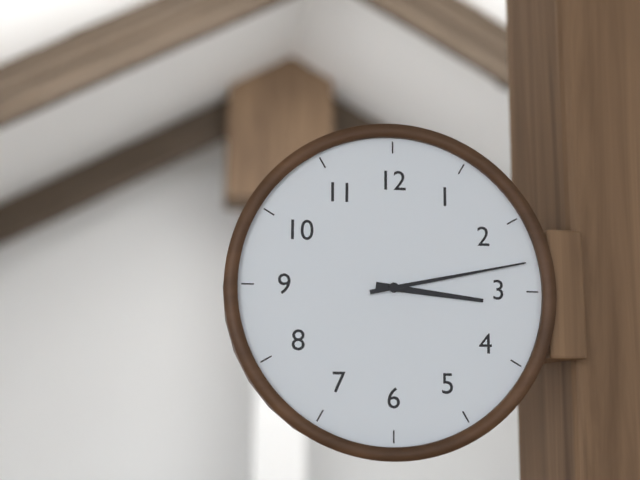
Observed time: 3:13
